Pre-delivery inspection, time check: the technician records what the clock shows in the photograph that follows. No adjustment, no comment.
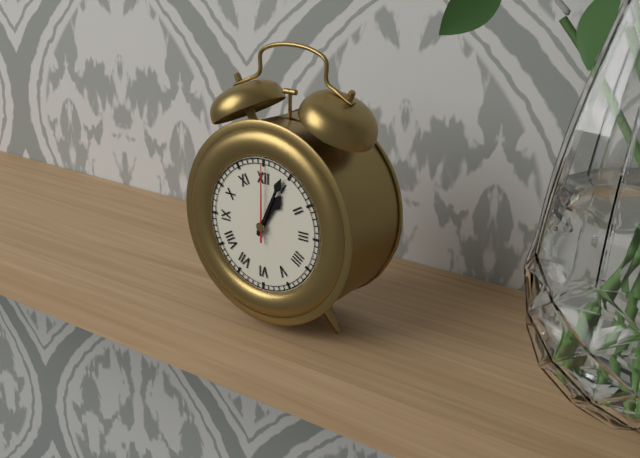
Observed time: 1:04:00
